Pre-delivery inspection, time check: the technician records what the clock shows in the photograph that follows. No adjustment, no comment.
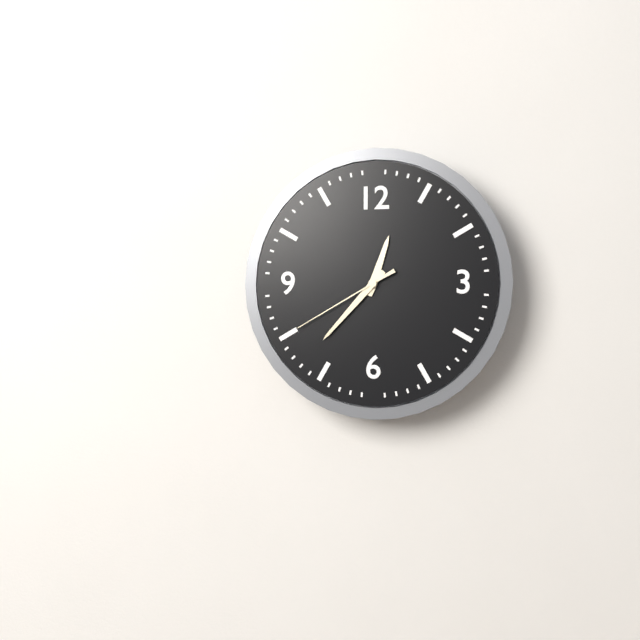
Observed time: 12:37:40
